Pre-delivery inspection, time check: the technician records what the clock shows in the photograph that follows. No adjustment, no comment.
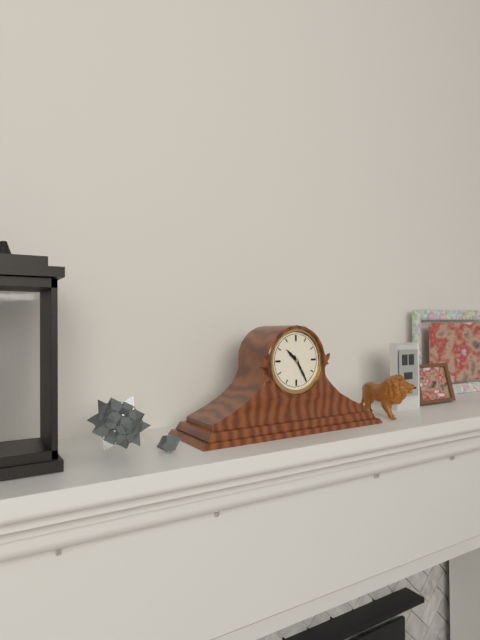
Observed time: 10:25
